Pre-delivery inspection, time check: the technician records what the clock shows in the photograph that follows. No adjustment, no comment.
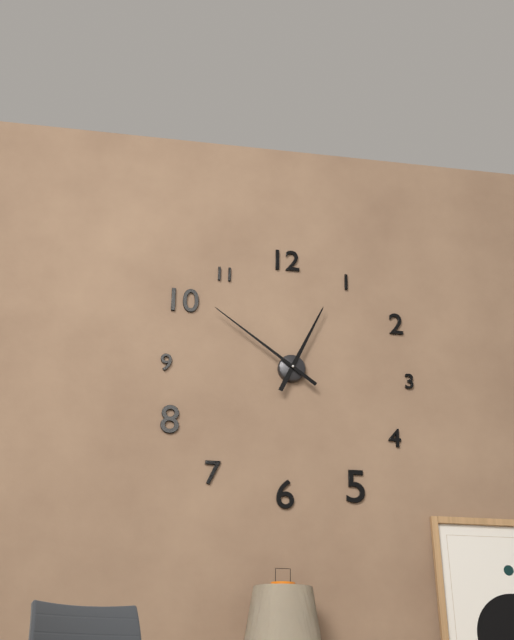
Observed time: 12:51
